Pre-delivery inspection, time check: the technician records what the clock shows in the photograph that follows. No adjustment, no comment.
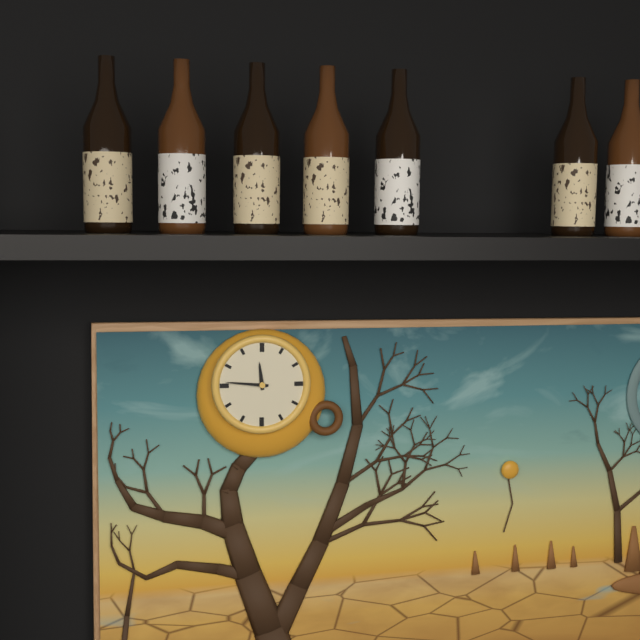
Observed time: 11:46
